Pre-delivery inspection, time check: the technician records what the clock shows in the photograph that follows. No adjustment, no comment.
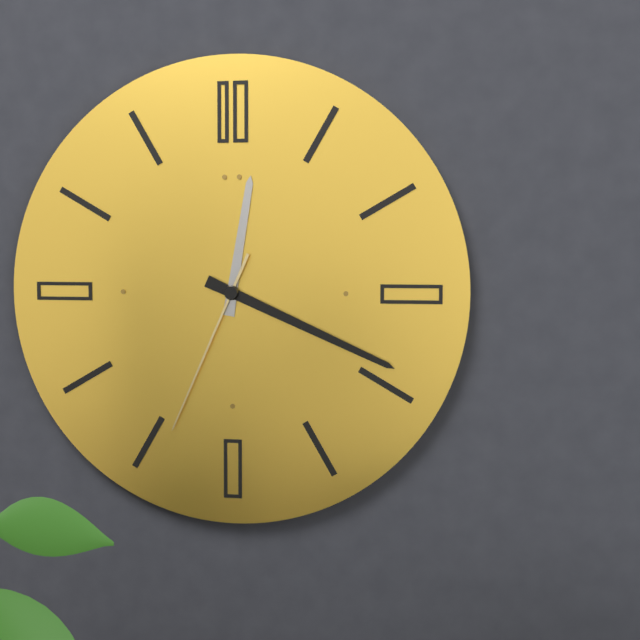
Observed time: 12:19:34
